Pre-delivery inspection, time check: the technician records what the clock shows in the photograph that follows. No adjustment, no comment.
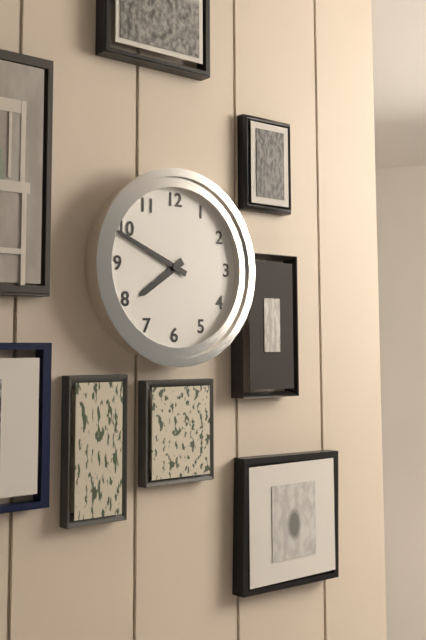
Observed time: 7:49
